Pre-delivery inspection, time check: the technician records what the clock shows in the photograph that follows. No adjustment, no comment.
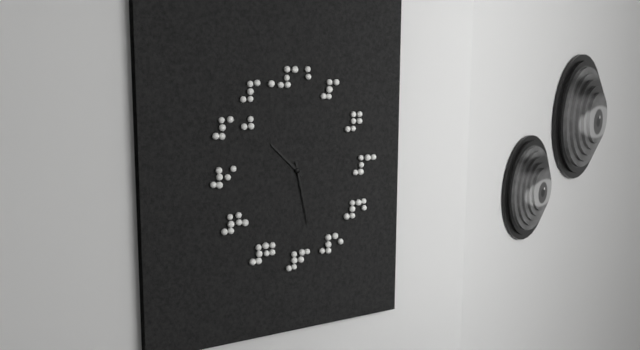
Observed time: 10:28
